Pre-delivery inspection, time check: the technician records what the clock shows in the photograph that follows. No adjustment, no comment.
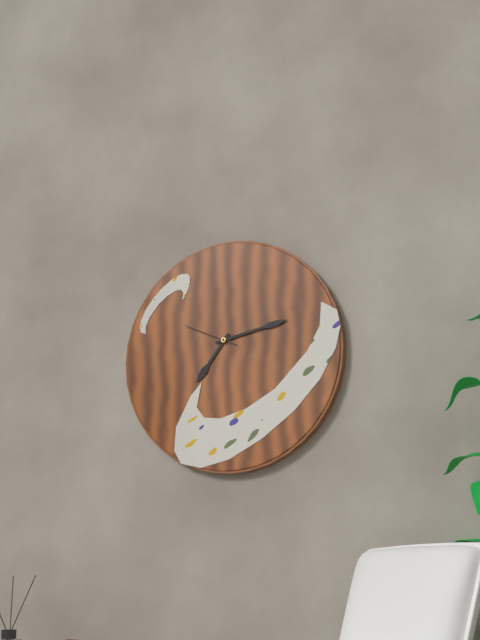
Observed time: 7:13:49
